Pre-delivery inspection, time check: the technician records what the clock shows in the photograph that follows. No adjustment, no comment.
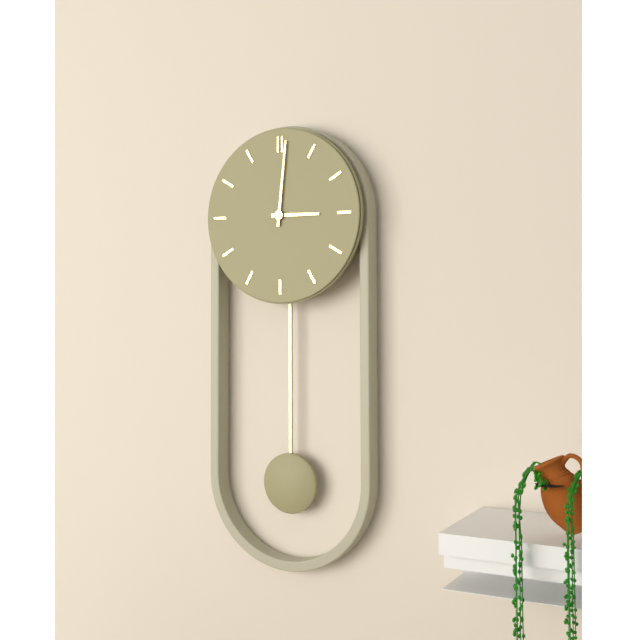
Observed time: 3:01
